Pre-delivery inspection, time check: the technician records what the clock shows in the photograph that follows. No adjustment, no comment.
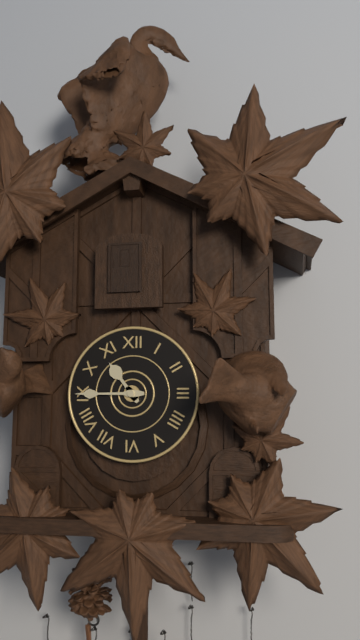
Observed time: 10:45
